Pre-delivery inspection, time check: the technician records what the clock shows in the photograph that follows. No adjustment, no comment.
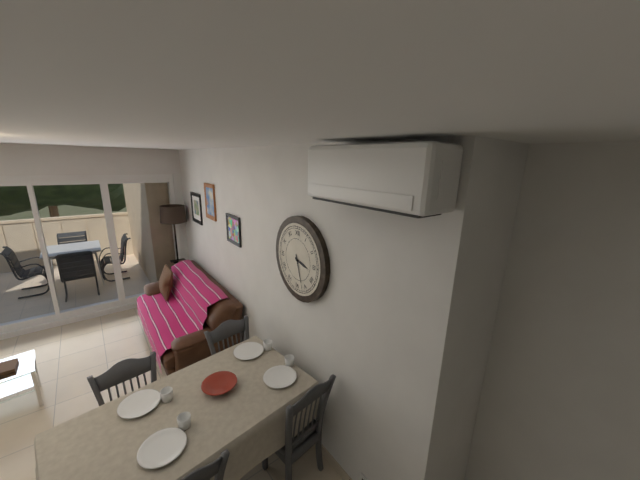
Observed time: 3:27
